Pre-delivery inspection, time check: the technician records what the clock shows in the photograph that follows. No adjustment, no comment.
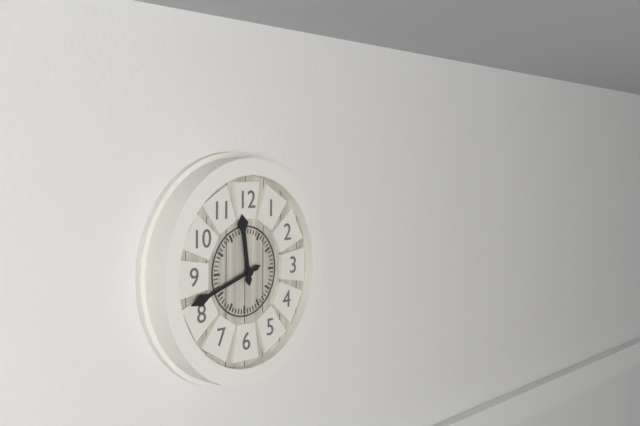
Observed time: 11:42
